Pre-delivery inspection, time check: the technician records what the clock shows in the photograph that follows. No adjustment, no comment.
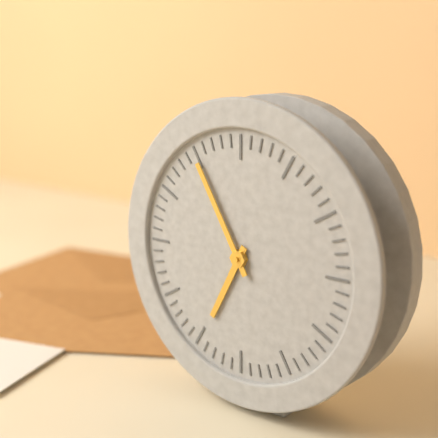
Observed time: 6:55
